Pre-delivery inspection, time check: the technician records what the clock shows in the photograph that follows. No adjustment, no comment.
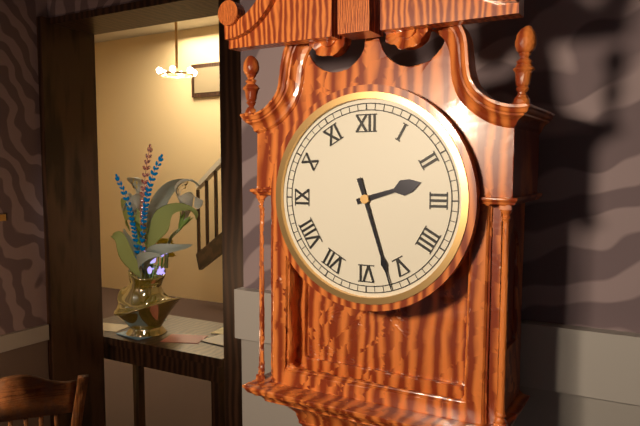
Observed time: 2:27
